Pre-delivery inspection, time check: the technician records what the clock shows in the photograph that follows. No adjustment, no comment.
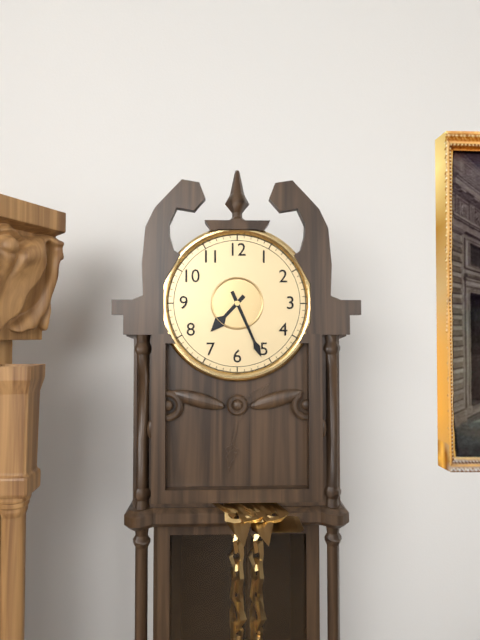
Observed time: 7:26
